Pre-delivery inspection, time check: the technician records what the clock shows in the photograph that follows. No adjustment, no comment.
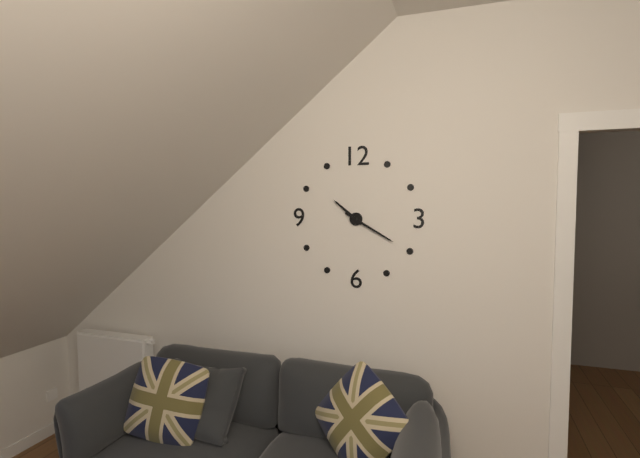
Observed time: 10:20
